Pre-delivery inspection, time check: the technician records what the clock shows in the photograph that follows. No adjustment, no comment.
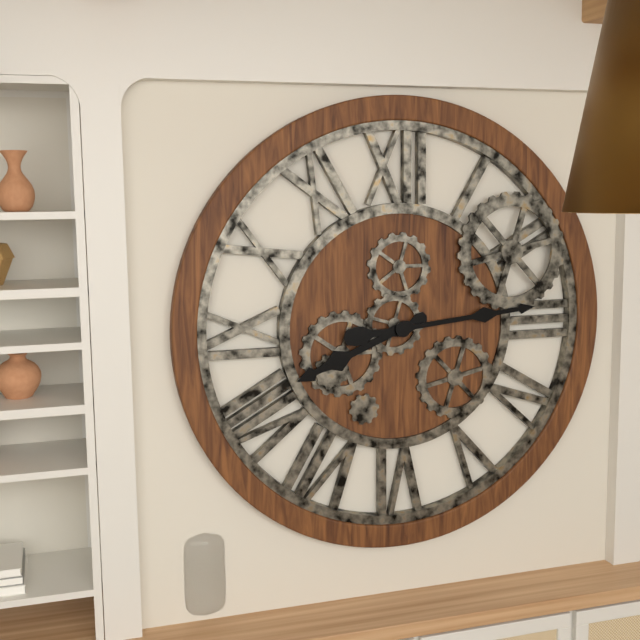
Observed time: 8:14
